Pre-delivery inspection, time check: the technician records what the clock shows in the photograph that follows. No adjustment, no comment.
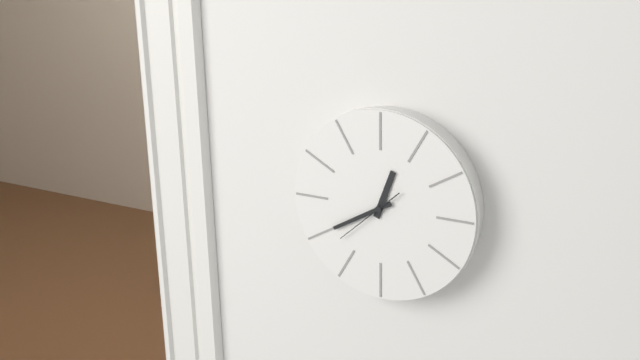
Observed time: 12:40:38
